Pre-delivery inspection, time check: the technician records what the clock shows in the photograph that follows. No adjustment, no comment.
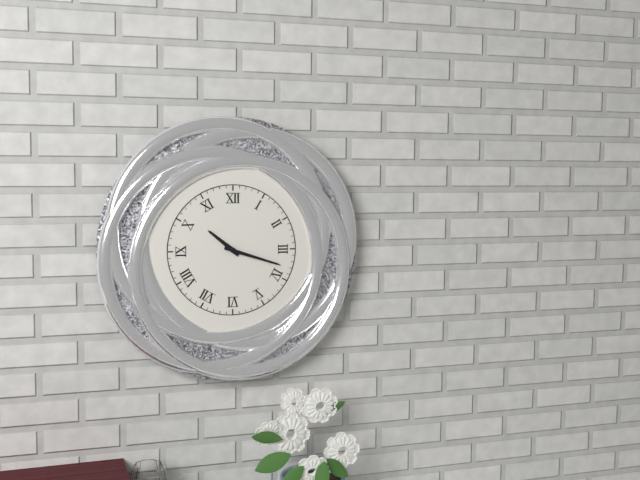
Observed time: 10:18
